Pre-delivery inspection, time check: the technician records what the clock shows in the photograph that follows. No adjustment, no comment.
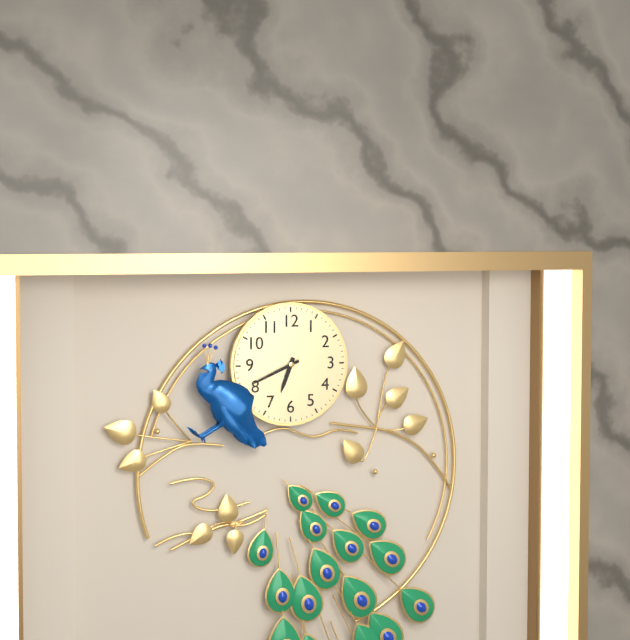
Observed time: 6:41
